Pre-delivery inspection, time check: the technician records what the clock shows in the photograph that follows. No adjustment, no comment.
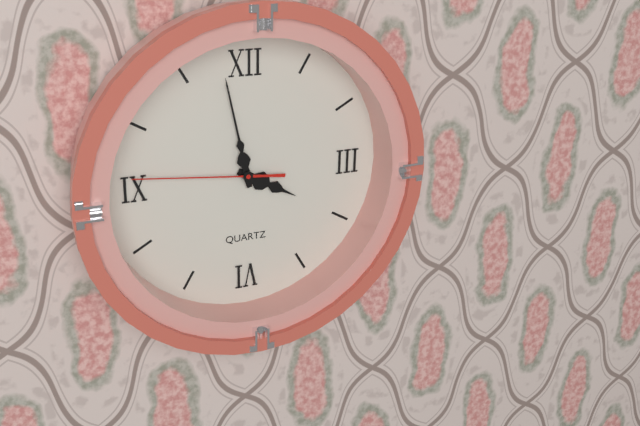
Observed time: 3:58:46
